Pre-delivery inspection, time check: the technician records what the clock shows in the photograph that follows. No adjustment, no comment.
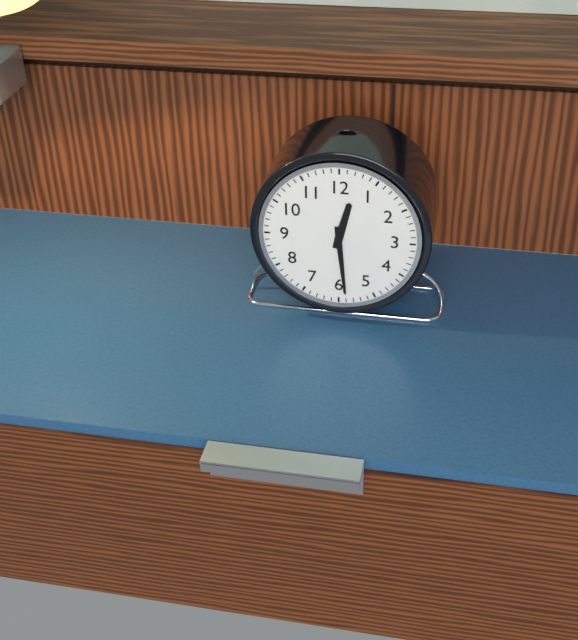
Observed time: 12:29
